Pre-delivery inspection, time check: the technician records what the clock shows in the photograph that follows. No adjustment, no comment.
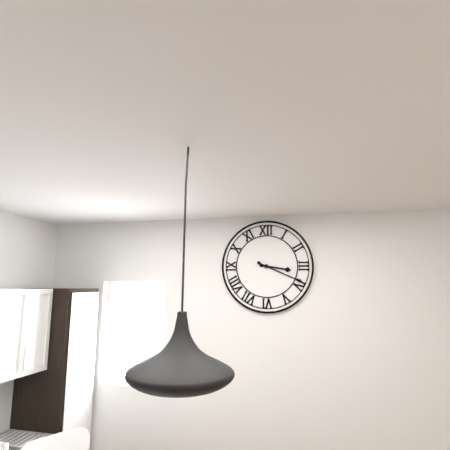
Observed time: 3:19
